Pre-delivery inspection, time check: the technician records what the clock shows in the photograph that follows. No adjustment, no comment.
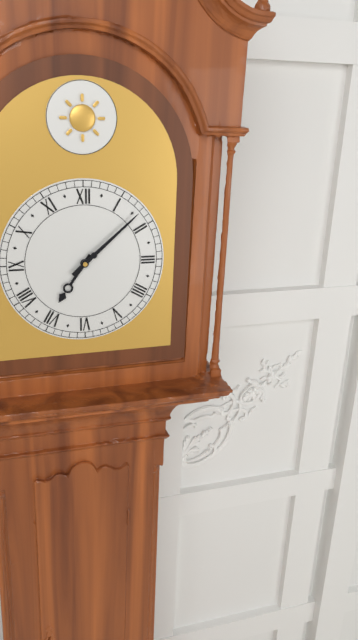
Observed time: 7:08
